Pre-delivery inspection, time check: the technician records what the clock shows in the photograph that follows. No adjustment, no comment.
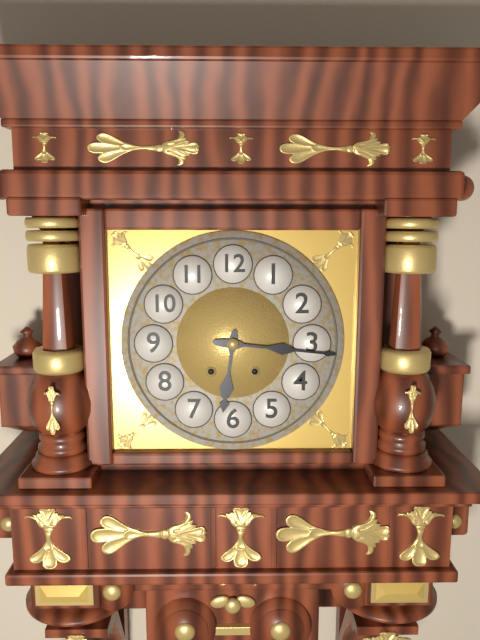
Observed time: 6:16
